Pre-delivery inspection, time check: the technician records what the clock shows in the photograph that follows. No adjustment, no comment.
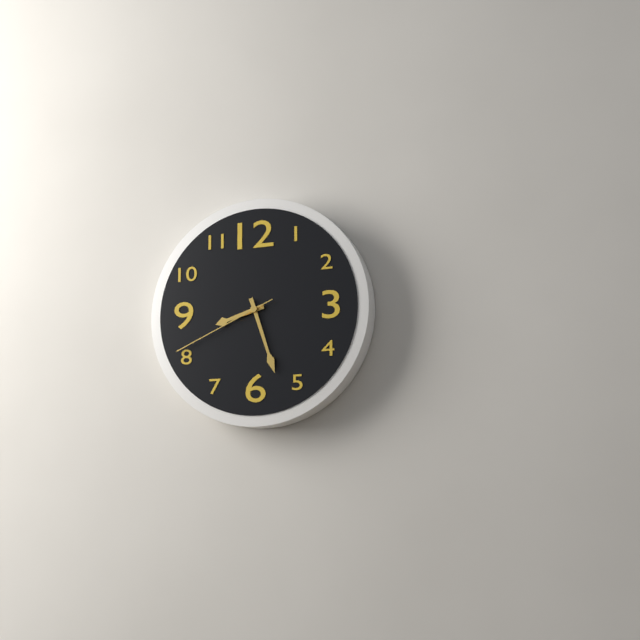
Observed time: 8:27:41
